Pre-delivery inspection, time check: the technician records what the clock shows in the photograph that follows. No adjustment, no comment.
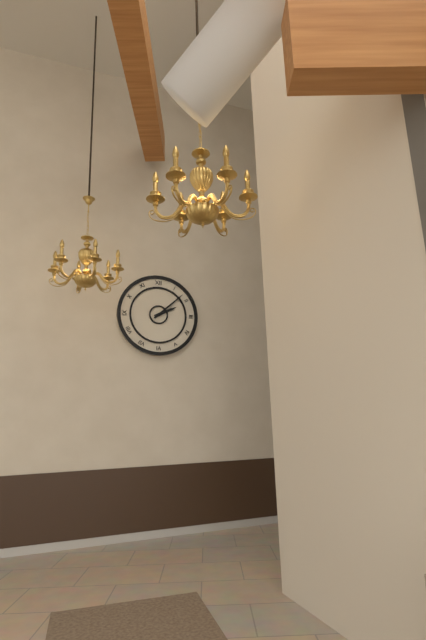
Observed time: 2:08
